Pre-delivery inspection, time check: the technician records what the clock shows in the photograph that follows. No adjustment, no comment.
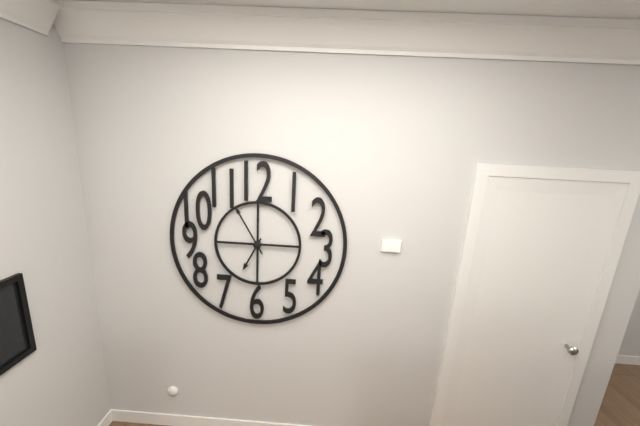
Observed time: 6:55
